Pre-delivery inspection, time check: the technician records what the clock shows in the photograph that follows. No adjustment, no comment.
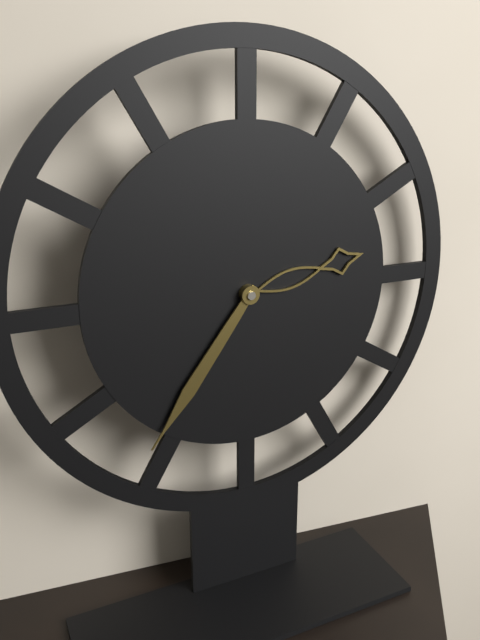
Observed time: 2:36
